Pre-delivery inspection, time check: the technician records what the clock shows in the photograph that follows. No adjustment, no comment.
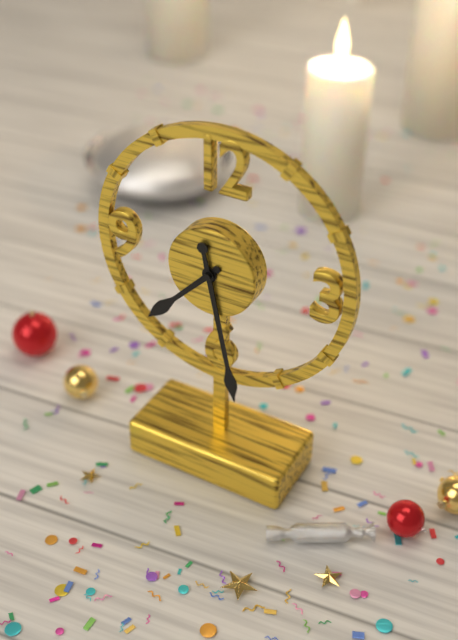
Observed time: 7:28
